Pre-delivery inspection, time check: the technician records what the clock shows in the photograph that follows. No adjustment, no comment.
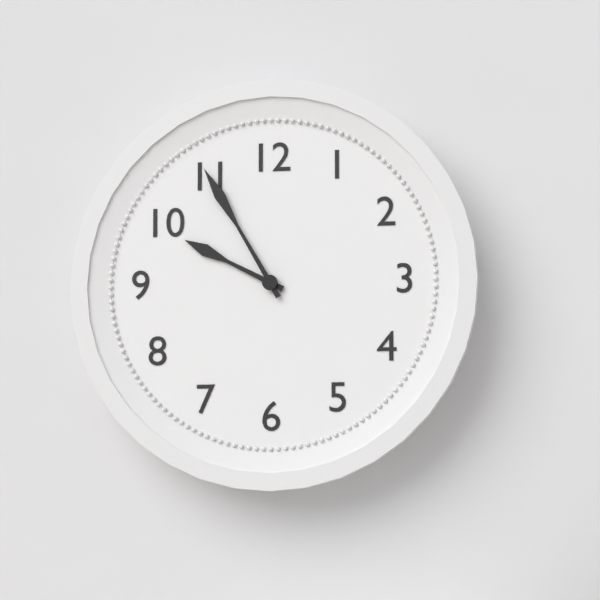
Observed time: 9:55
